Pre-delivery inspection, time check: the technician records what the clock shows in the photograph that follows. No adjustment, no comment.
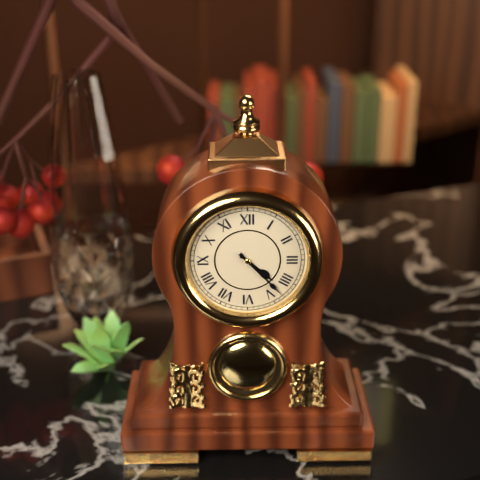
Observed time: 4:23
